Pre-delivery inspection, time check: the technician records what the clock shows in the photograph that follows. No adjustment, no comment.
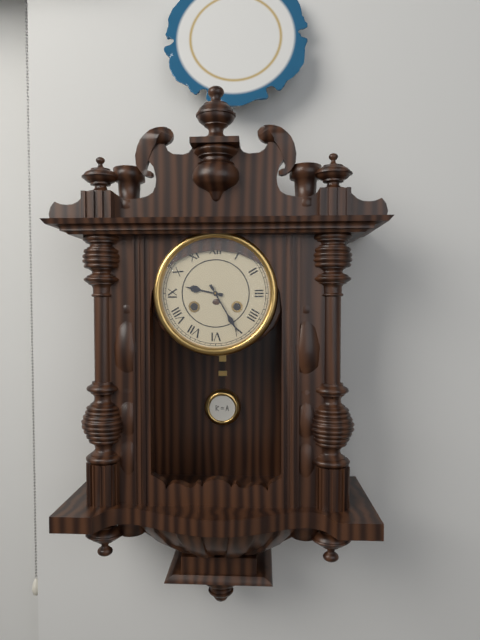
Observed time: 9:25
